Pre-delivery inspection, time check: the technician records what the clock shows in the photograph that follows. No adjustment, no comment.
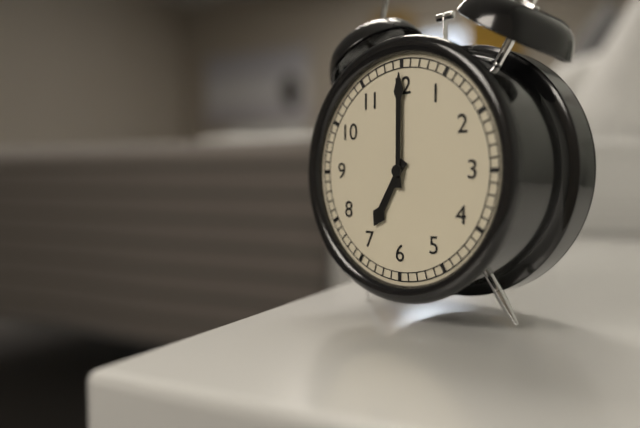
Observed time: 7:00
